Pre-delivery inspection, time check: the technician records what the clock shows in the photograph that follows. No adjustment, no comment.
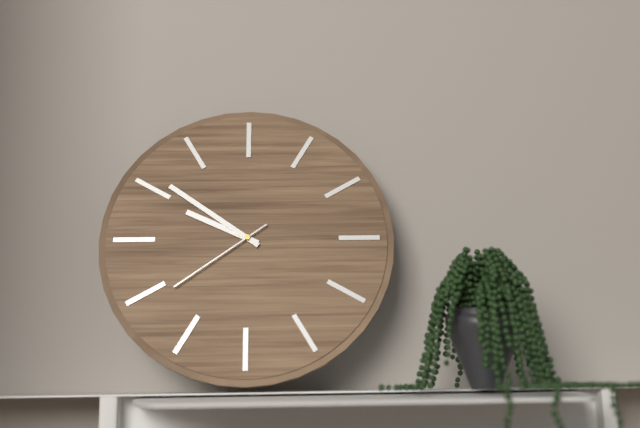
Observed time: 9:51:39
